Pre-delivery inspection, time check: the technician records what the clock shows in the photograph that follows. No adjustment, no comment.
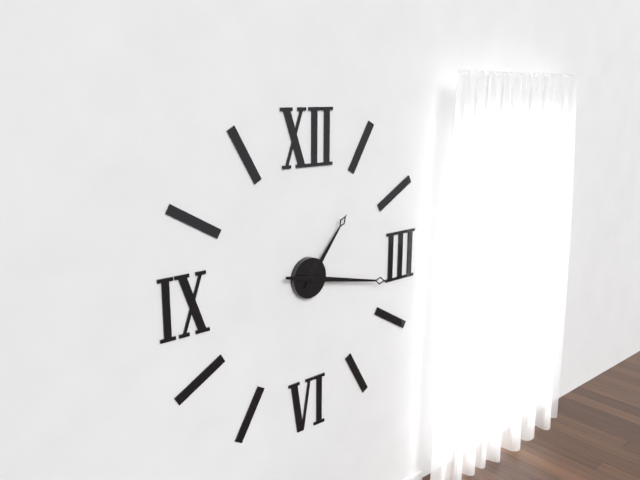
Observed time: 1:17
